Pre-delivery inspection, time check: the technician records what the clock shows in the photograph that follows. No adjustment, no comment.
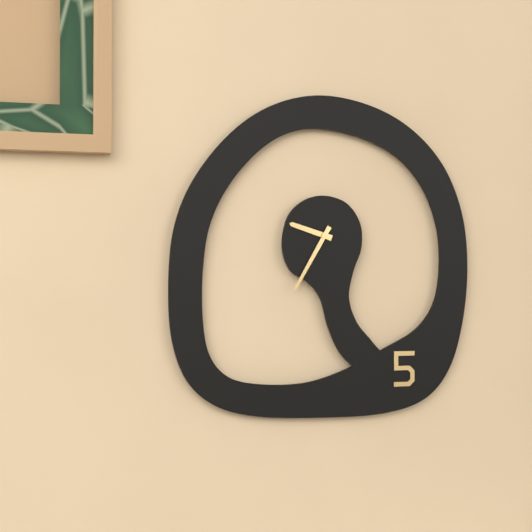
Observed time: 9:35
